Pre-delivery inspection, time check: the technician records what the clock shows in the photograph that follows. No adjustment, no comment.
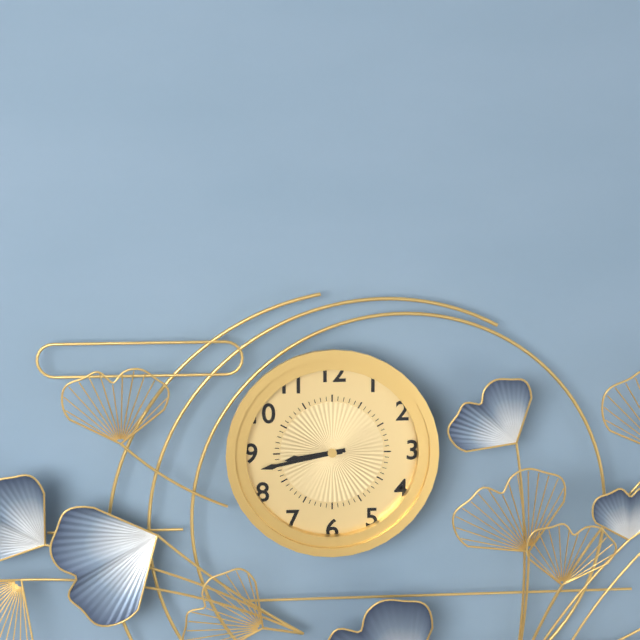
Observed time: 8:43
